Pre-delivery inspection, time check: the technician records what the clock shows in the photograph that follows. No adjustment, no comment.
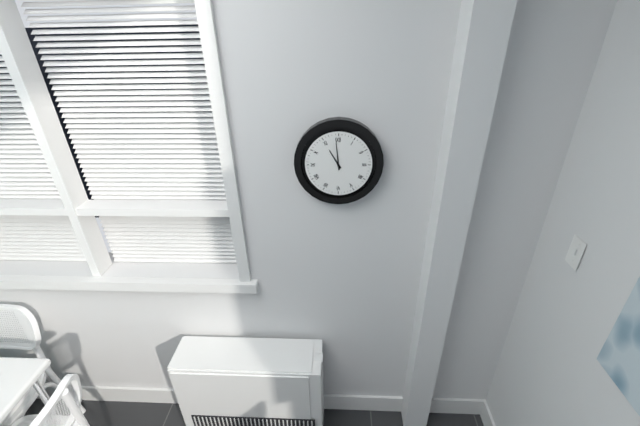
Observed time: 10:59
